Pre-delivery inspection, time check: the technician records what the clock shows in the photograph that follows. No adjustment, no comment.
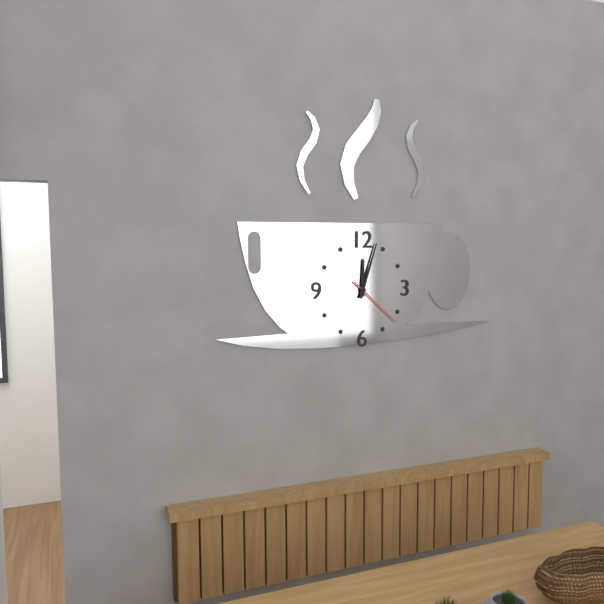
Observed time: 12:03:22
